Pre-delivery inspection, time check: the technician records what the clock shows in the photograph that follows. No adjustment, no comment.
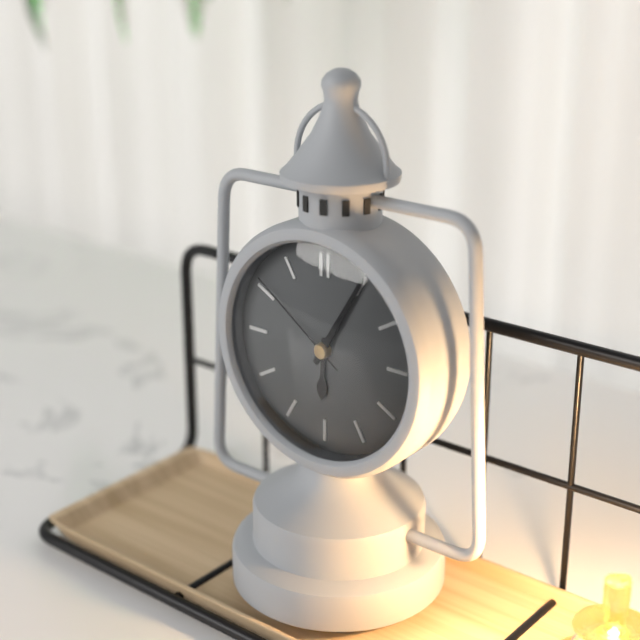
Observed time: 6:05:51
